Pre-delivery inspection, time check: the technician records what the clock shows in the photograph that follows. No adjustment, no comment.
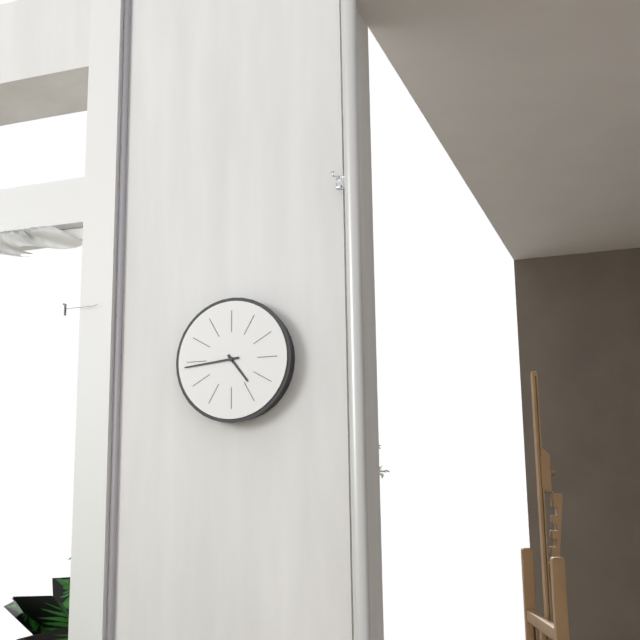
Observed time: 4:44
